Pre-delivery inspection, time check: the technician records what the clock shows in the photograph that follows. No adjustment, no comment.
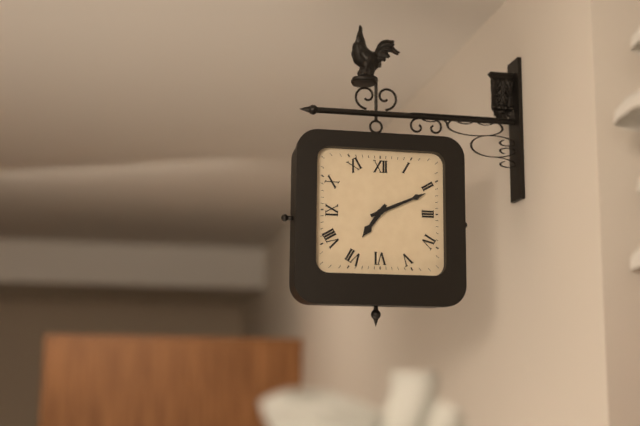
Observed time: 7:11
